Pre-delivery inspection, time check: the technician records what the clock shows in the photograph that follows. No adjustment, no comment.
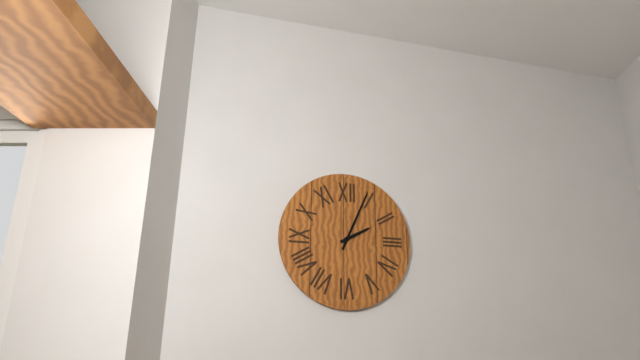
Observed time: 2:04
